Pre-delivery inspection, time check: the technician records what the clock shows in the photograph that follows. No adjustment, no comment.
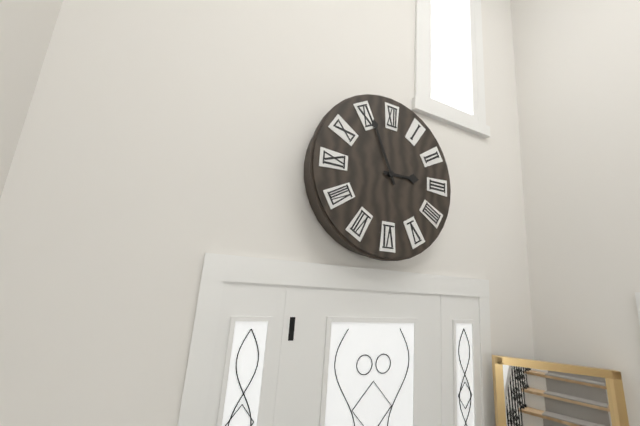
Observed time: 2:56
